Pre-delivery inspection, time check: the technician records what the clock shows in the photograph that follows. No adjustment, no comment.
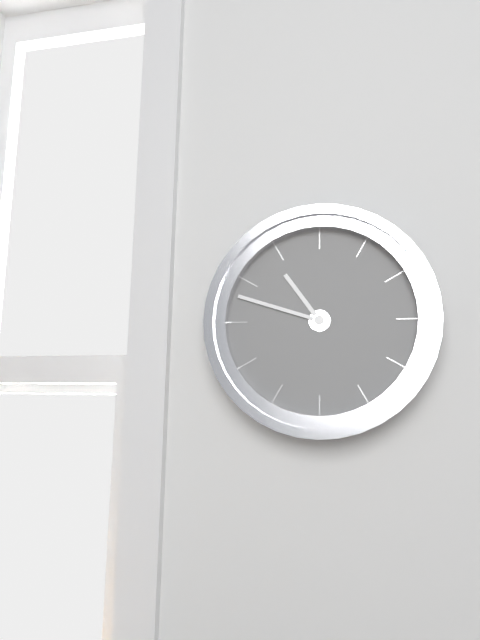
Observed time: 10:48
